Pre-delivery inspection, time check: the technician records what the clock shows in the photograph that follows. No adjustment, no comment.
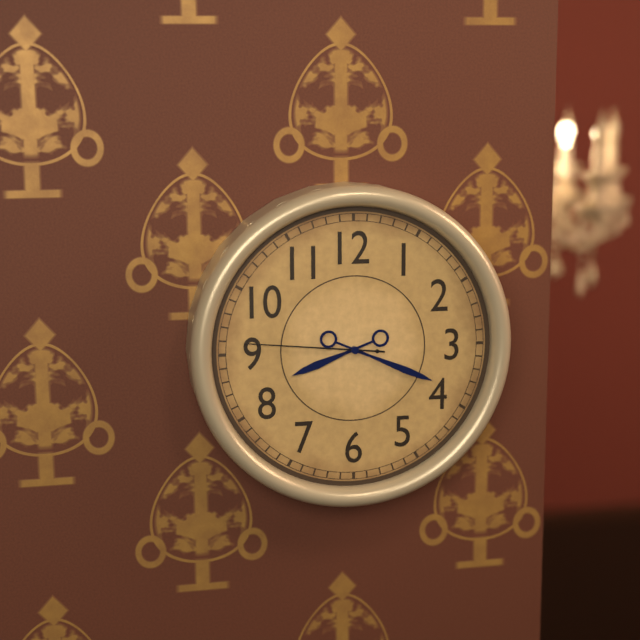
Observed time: 8:19:46
